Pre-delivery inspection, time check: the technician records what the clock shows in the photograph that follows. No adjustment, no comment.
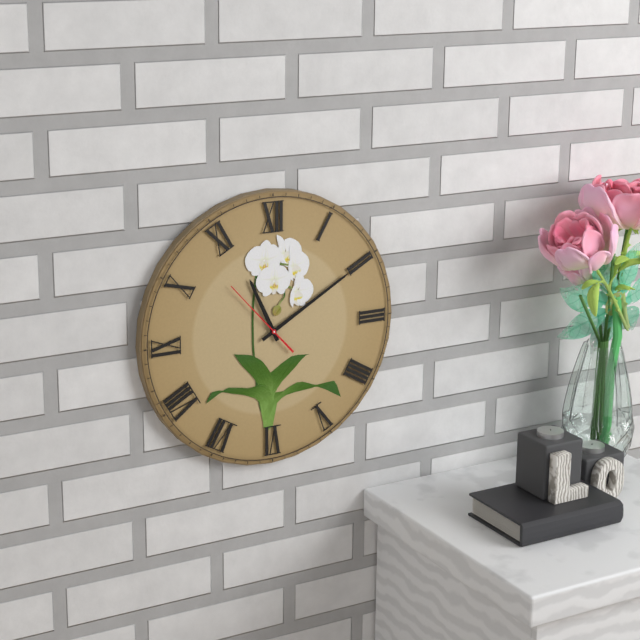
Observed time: 11:10:53
